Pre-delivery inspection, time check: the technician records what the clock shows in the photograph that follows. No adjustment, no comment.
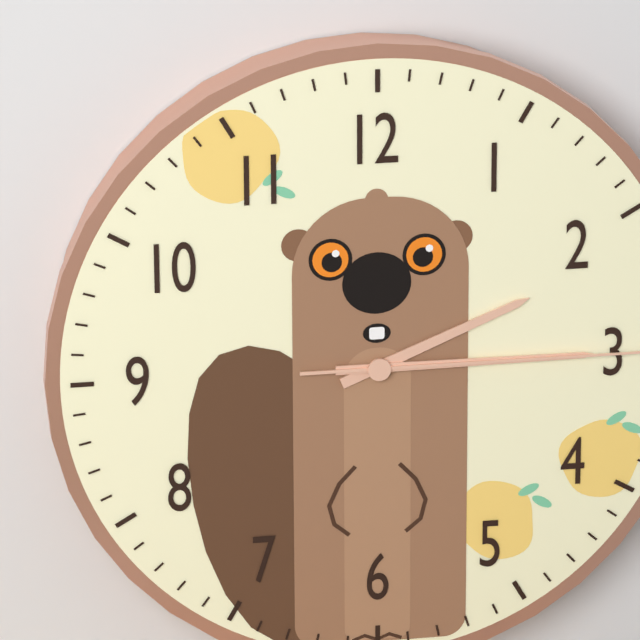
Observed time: 2:15
